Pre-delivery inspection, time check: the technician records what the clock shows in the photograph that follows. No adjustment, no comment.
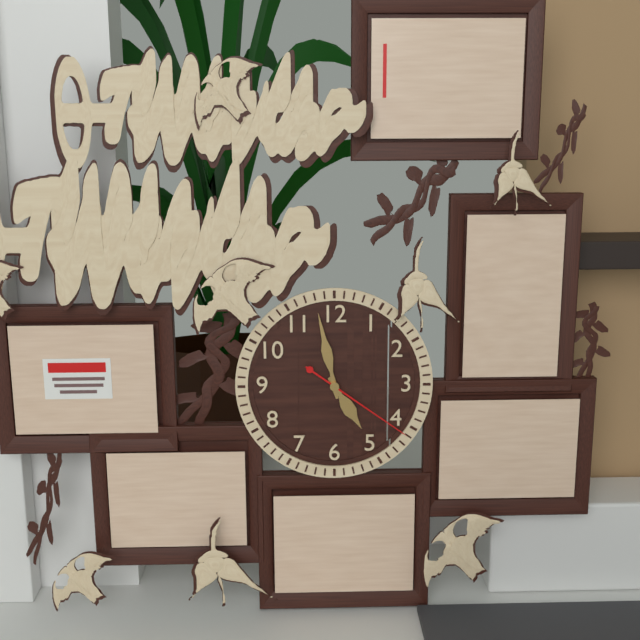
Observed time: 4:58:21
